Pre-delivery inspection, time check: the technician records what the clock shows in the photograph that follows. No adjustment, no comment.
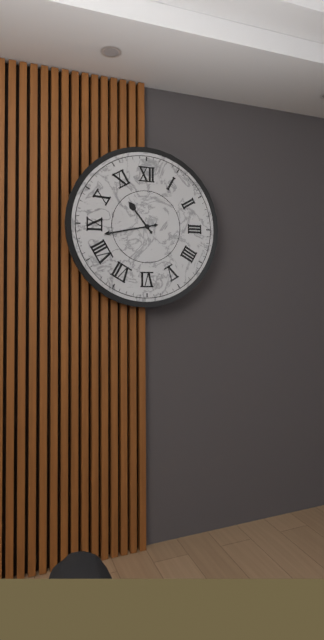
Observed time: 10:43
